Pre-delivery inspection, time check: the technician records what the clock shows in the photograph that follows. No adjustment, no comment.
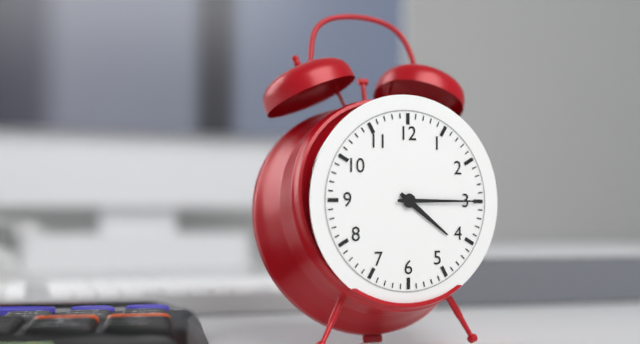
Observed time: 4:15
